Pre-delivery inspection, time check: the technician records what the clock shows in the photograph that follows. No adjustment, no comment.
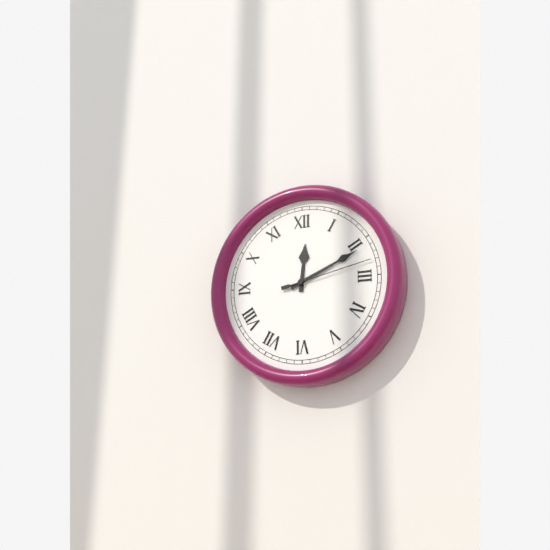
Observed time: 12:11:13
